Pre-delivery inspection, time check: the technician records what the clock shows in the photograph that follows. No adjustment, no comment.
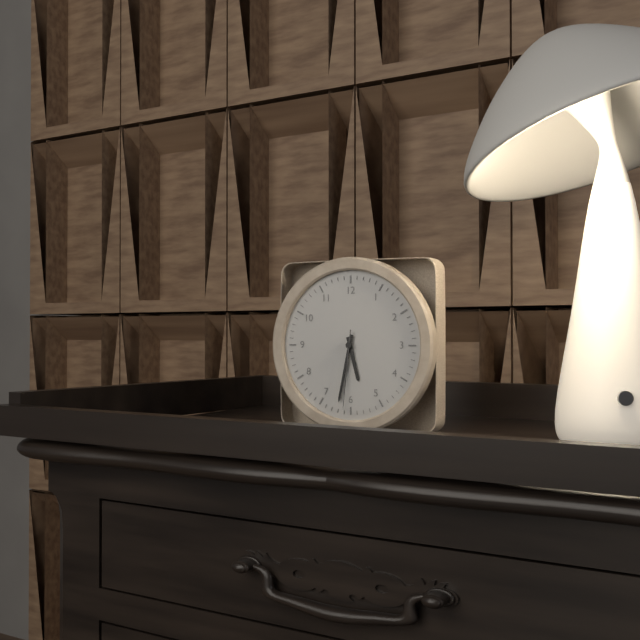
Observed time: 5:32:31
